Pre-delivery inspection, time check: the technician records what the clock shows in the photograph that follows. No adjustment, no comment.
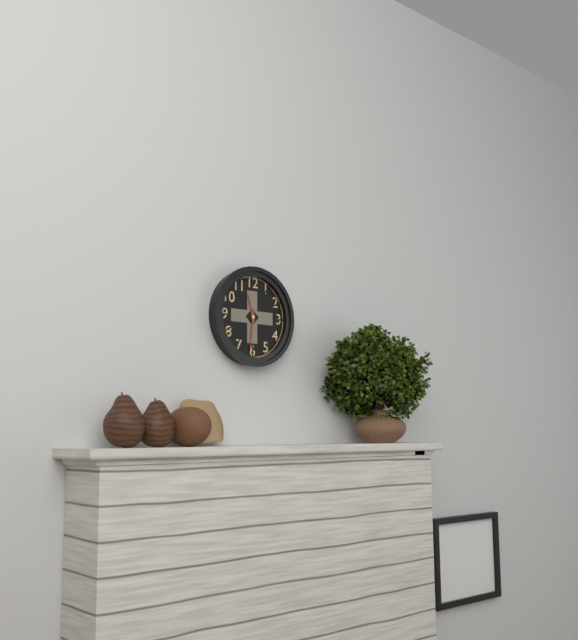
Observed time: 11:31
